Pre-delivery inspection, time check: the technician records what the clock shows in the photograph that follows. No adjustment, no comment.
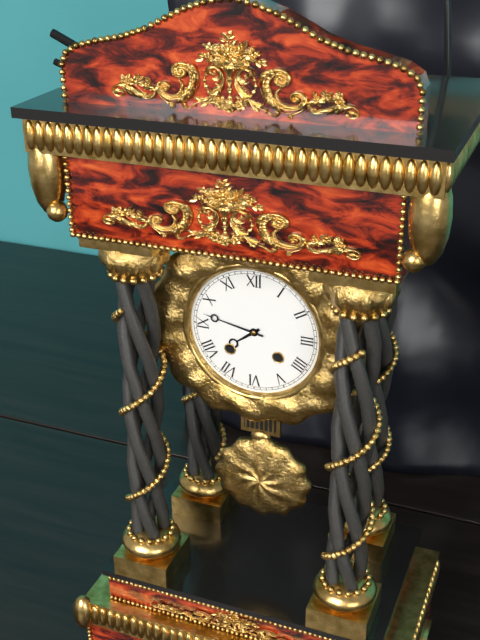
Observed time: 7:47
